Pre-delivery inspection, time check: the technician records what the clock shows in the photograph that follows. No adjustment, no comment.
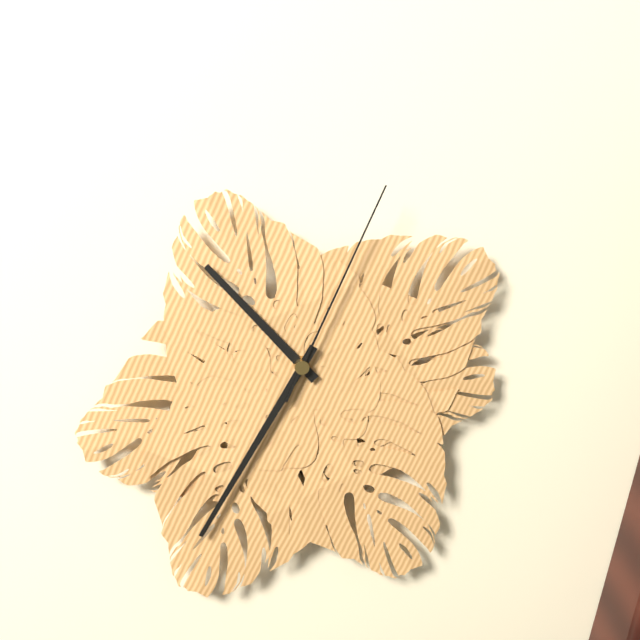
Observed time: 10:35:04
